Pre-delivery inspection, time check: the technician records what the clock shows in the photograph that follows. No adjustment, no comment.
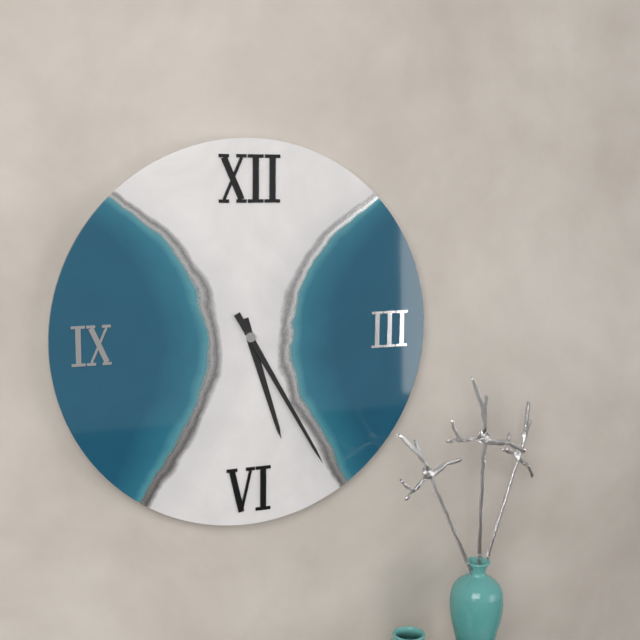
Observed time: 5:25
